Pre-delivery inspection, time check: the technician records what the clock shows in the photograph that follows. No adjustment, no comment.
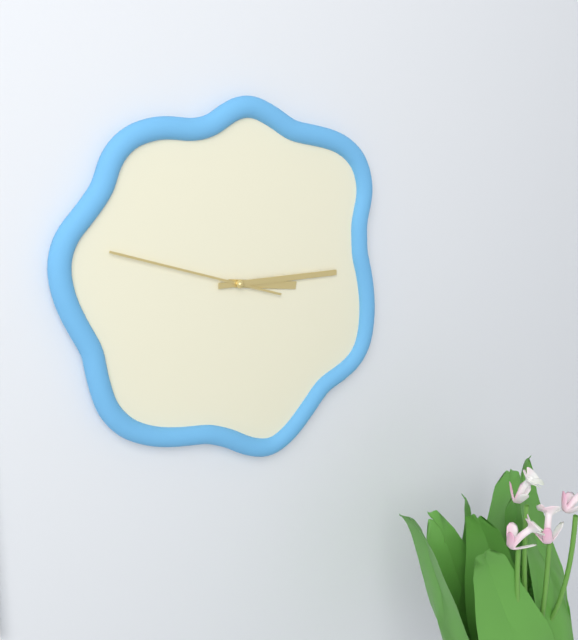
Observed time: 3:15:48
